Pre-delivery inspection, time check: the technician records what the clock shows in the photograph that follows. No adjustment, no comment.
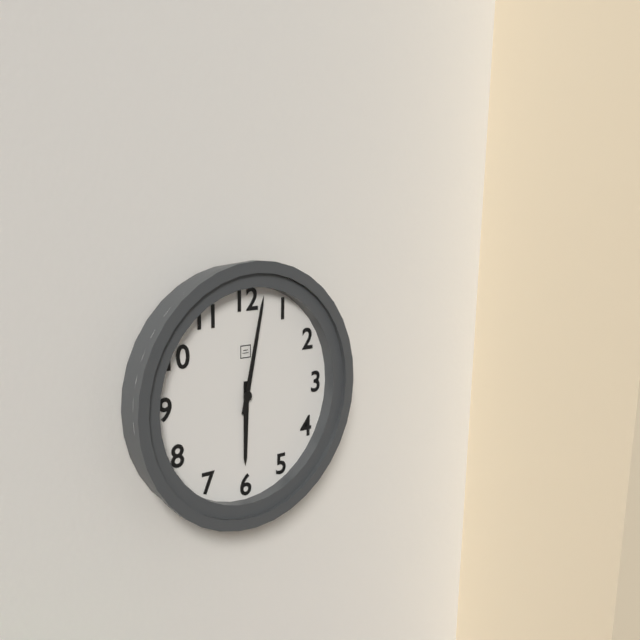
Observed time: 6:02
